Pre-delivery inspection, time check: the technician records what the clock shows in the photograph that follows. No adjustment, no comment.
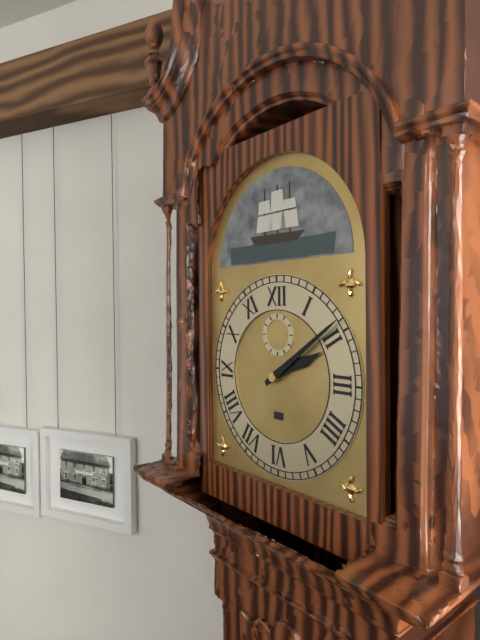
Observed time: 2:09
